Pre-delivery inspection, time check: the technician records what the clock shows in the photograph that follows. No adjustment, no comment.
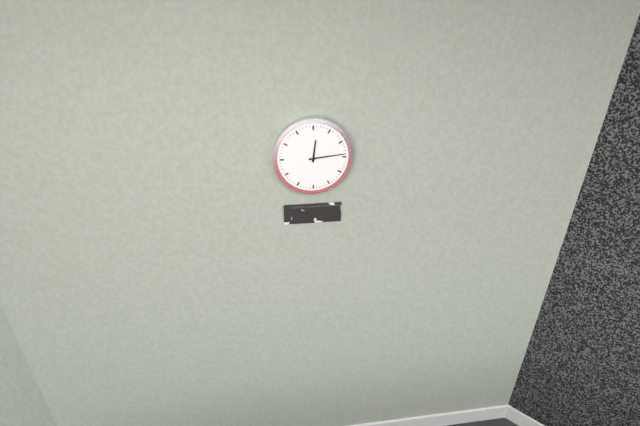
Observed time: 12:14
